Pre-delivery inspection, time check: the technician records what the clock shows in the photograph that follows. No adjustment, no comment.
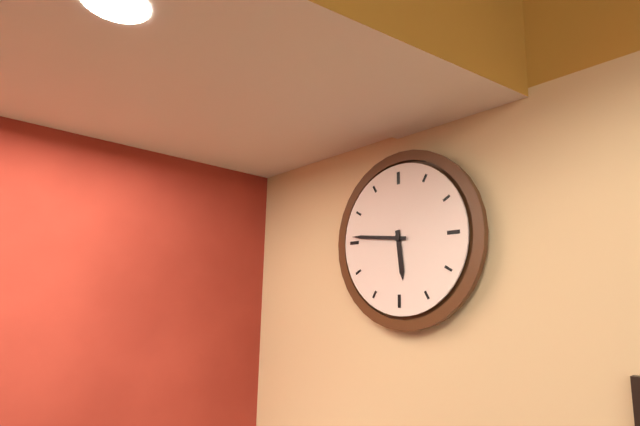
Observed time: 5:46
